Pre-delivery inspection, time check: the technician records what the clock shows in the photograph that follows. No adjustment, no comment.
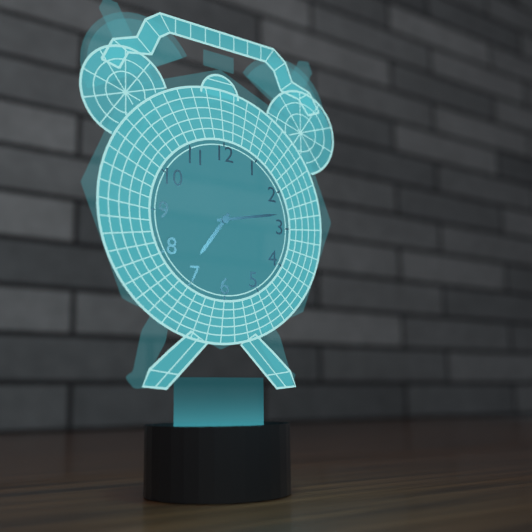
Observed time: 7:13
